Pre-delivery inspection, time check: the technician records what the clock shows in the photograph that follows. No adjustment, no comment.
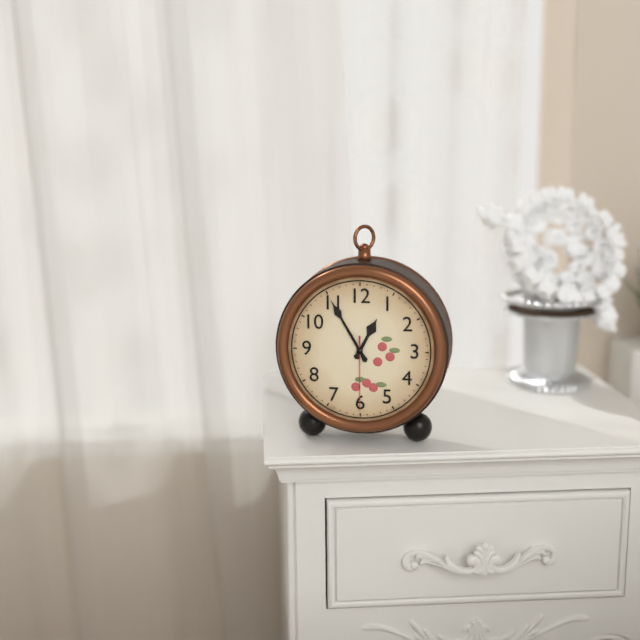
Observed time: 12:55:30
